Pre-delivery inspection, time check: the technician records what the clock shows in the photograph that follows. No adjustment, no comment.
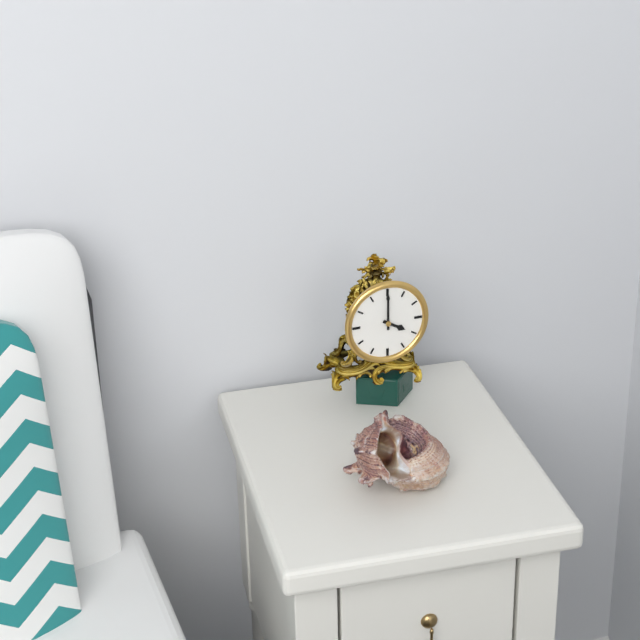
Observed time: 4:00
